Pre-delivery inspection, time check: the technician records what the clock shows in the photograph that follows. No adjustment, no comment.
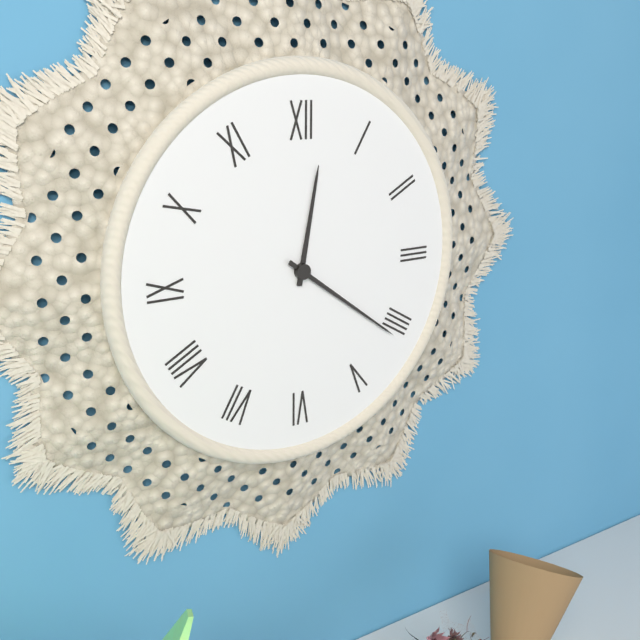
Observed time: 12:21
